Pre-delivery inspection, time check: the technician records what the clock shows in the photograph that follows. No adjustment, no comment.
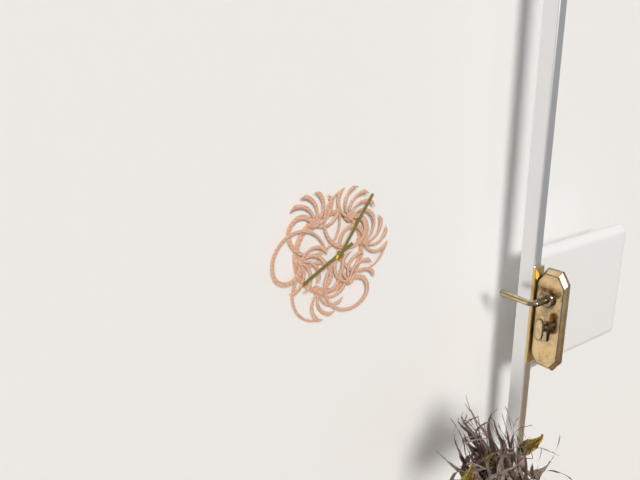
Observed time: 8:06
